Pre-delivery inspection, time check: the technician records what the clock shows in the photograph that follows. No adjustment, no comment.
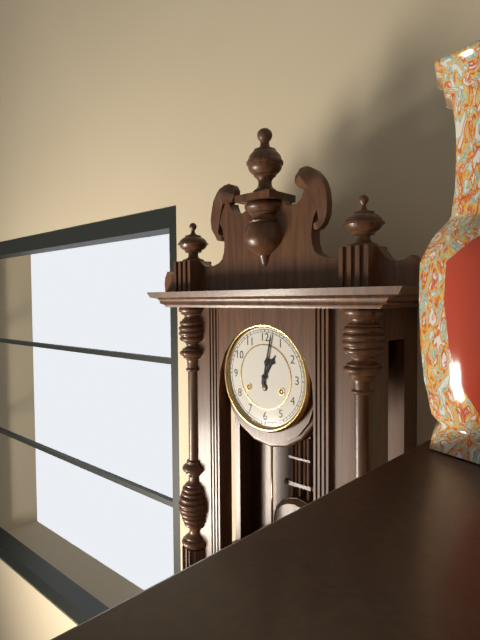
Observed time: 1:02
